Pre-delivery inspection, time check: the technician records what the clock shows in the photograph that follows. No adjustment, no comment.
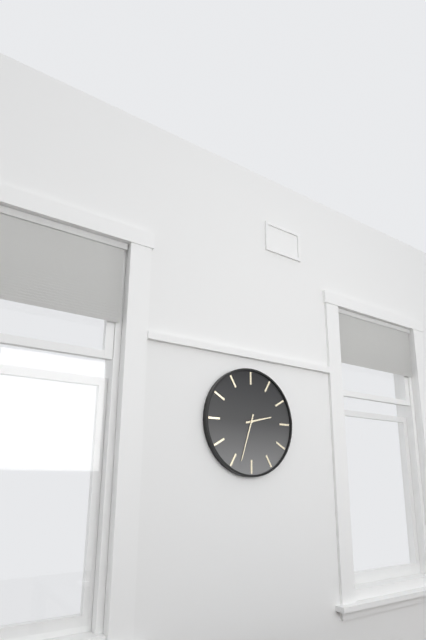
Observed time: 2:33
